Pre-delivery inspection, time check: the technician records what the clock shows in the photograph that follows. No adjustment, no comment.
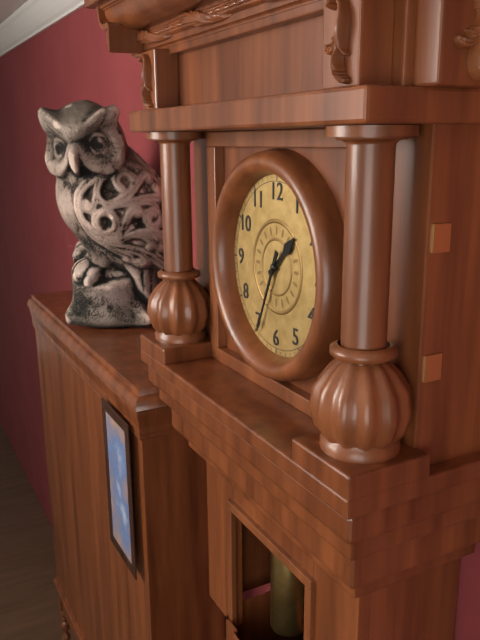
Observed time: 1:34
